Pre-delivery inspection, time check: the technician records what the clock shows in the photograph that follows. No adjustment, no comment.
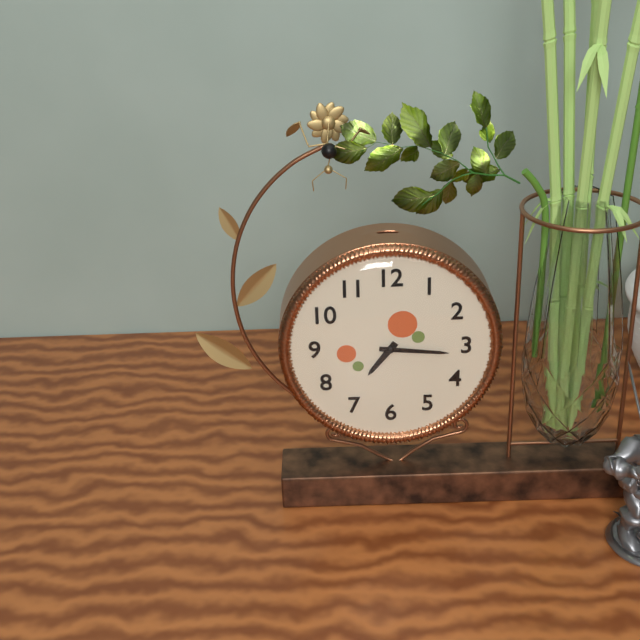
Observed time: 7:16
